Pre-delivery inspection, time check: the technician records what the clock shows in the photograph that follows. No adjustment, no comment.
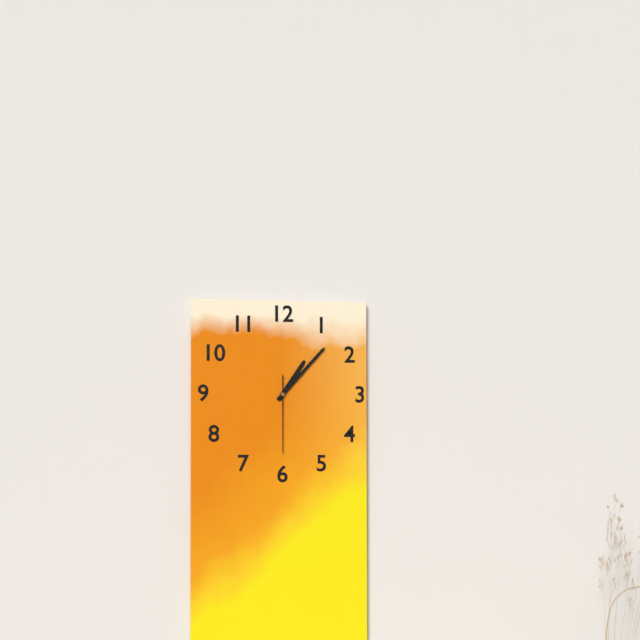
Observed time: 1:07:30
